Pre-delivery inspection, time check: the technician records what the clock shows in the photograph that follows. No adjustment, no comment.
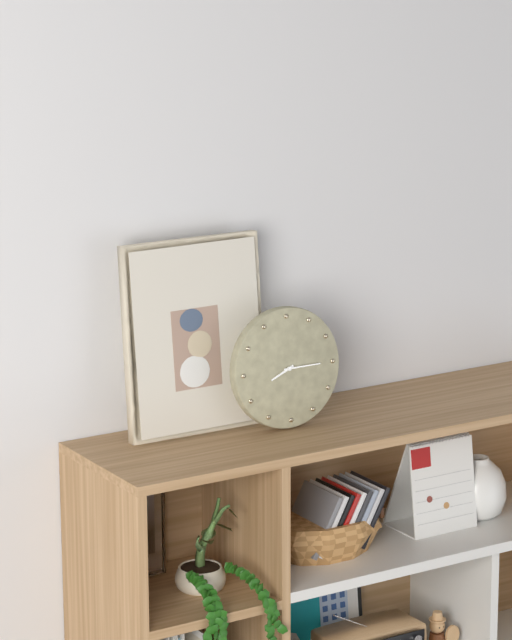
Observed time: 8:15
